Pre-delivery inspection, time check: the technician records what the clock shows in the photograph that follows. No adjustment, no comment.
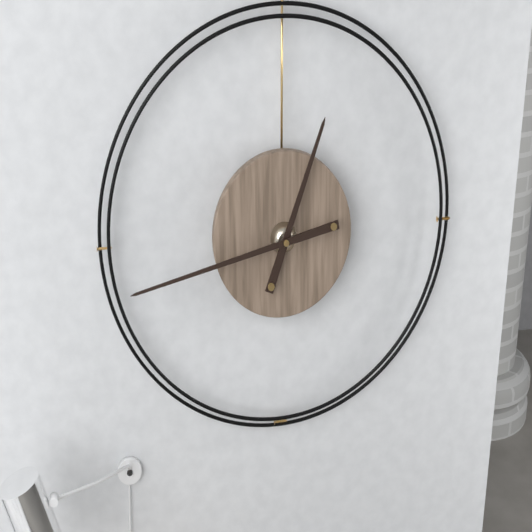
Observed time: 12:43
